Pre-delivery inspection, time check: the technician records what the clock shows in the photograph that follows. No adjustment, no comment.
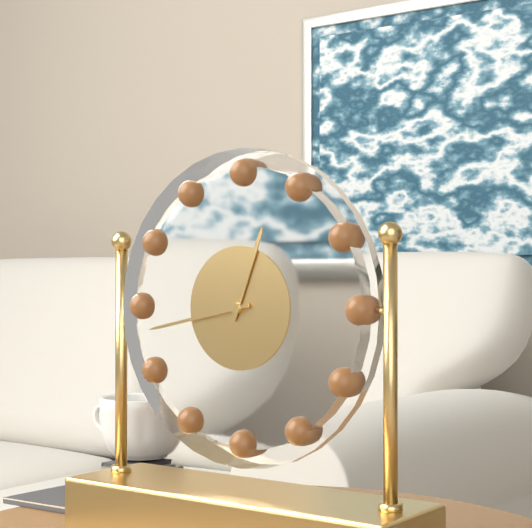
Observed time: 12:43
